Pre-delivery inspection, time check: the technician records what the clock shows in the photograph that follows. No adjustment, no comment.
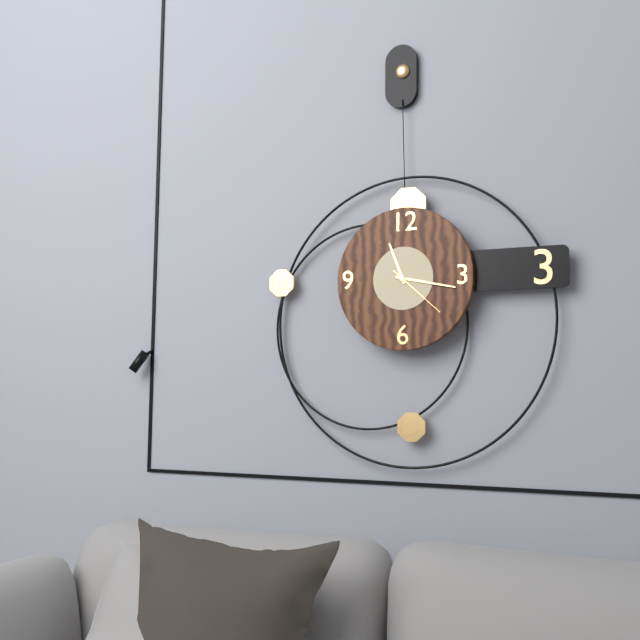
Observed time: 11:17:22
